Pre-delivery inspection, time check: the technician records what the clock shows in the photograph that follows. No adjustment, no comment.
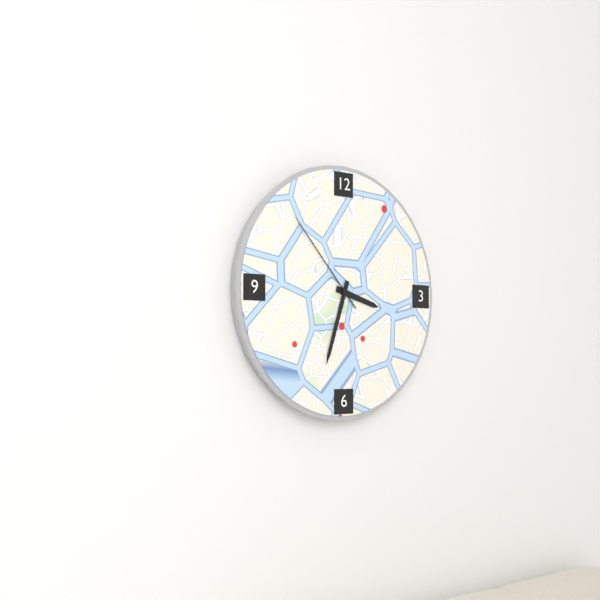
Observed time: 3:33:53
